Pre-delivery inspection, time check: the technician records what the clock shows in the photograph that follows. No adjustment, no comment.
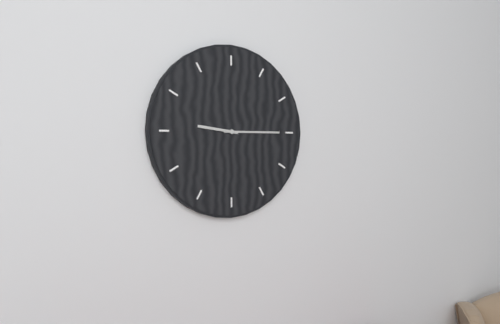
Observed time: 9:15
